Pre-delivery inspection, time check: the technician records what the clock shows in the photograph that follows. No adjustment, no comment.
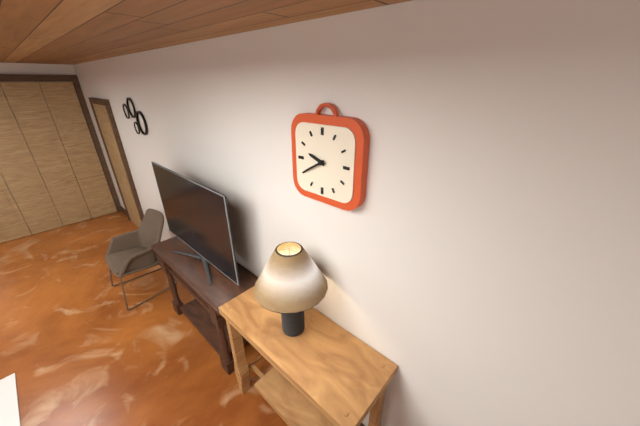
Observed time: 9:40
